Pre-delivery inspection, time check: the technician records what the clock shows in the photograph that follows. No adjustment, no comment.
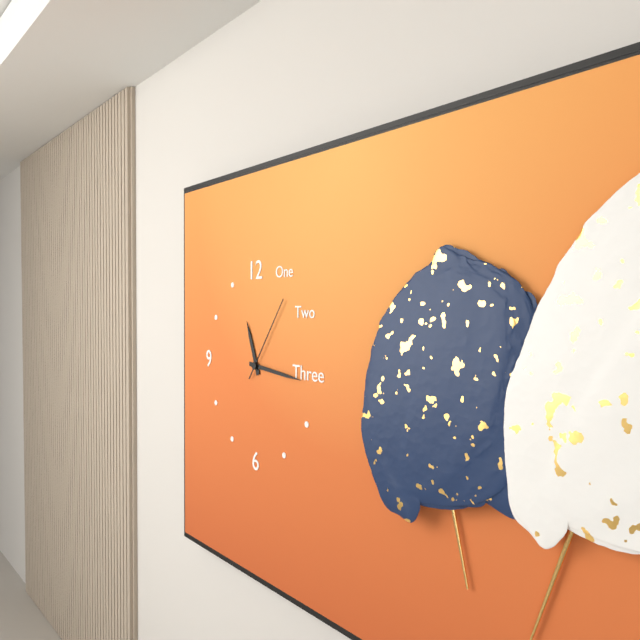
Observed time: 11:16:06
